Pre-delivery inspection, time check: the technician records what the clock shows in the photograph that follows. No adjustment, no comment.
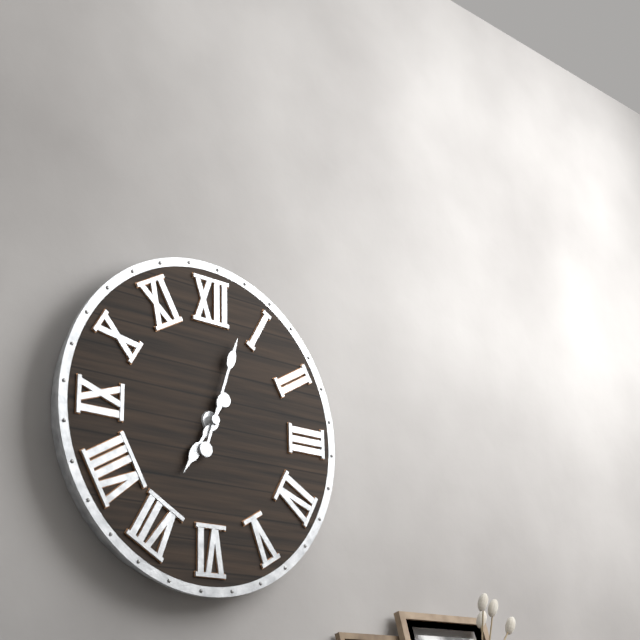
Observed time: 7:03
